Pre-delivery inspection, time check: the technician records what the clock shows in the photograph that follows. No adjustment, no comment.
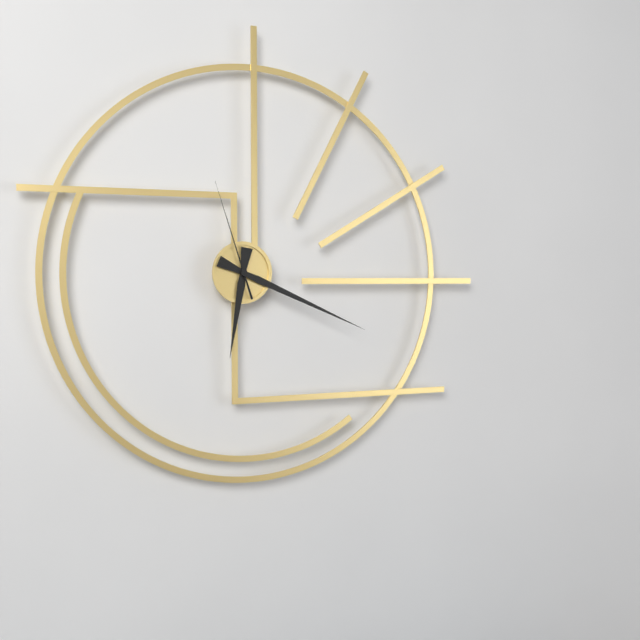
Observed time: 6:19:57
